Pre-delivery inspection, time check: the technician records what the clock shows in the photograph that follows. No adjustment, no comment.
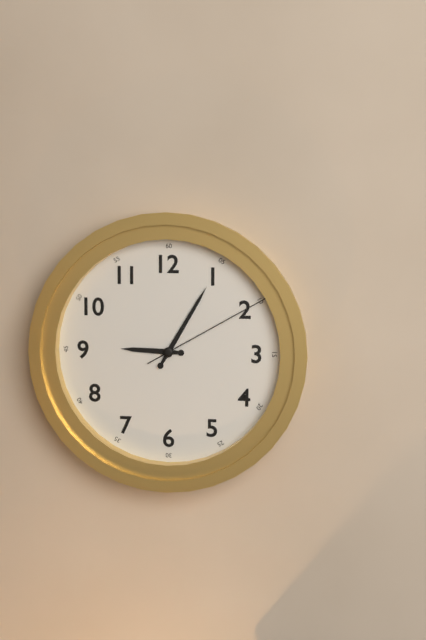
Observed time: 9:05:10
